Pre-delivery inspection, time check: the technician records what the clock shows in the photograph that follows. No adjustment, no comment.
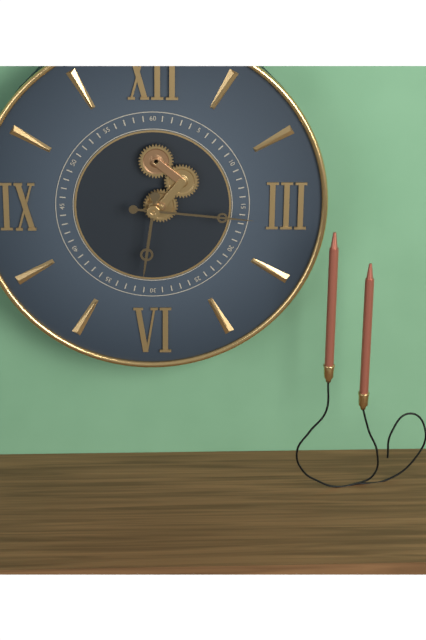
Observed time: 6:16
